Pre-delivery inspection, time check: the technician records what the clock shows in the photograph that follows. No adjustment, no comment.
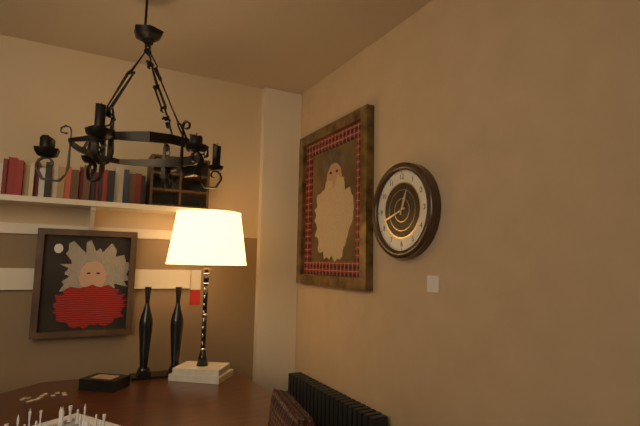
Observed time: 12:42
